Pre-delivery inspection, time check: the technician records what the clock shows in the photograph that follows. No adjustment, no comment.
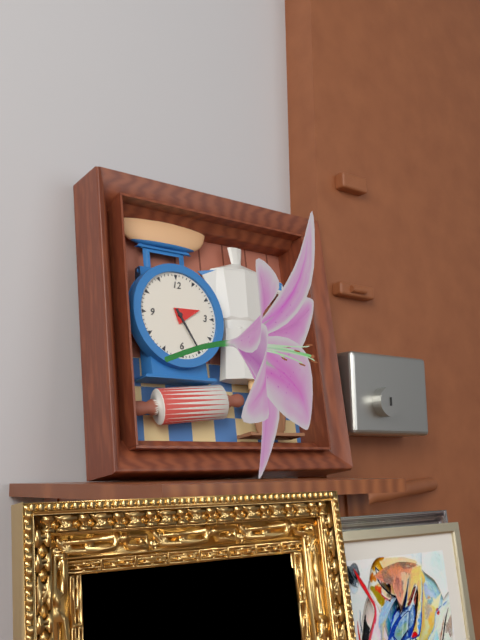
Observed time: 2:25
